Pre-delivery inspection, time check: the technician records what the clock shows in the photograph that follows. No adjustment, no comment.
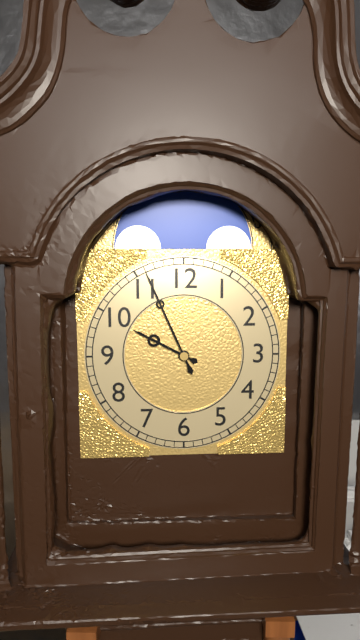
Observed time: 9:56
